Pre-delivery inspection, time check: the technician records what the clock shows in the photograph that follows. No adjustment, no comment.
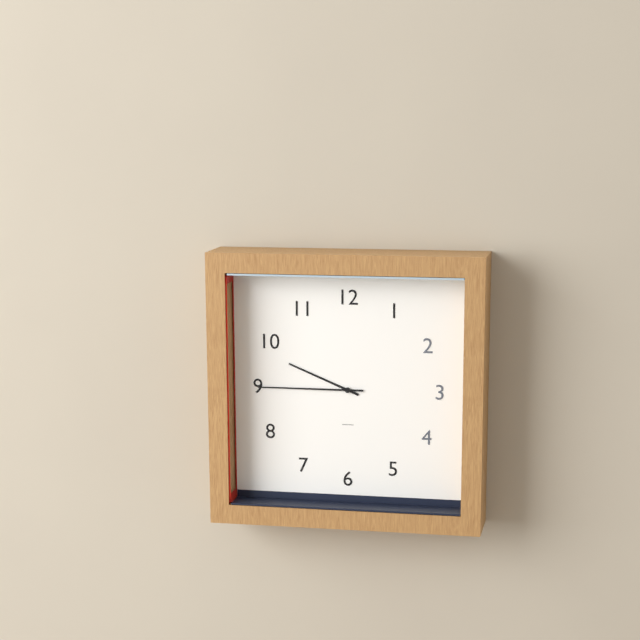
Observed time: 9:45
